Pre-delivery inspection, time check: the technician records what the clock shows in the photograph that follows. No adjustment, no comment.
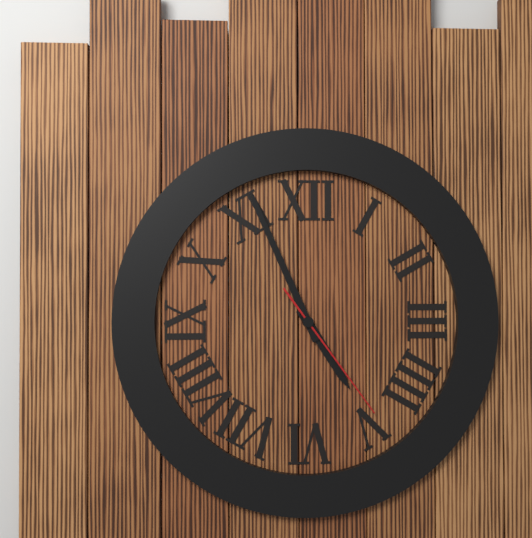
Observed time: 4:56:24
